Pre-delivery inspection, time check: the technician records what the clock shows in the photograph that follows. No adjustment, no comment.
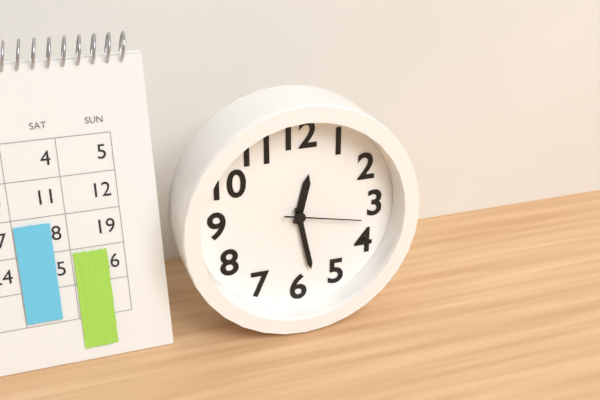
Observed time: 12:28:17
